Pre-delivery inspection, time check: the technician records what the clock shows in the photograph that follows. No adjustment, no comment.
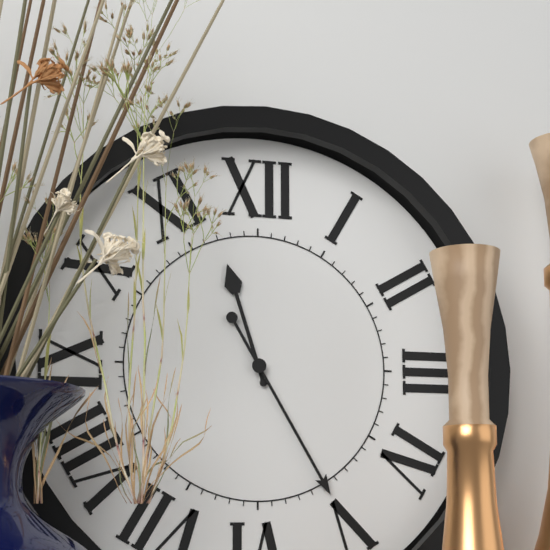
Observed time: 11:25
